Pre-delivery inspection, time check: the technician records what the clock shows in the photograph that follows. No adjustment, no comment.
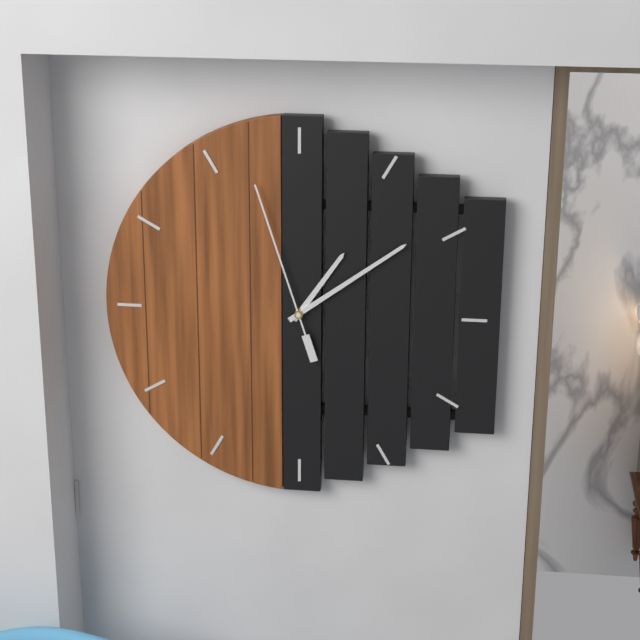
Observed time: 1:09:57
